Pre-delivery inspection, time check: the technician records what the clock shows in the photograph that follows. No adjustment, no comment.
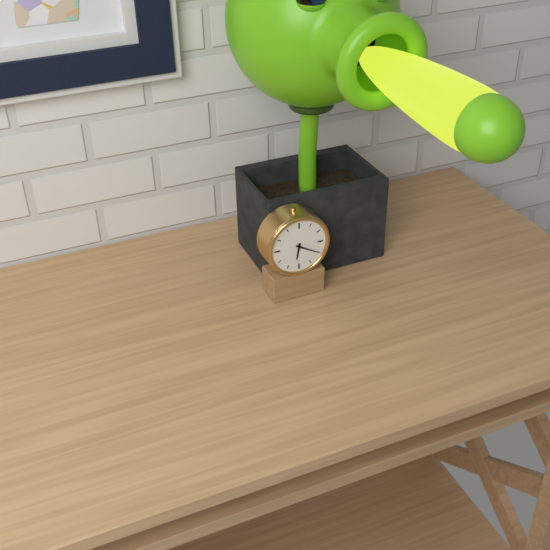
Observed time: 6:20
